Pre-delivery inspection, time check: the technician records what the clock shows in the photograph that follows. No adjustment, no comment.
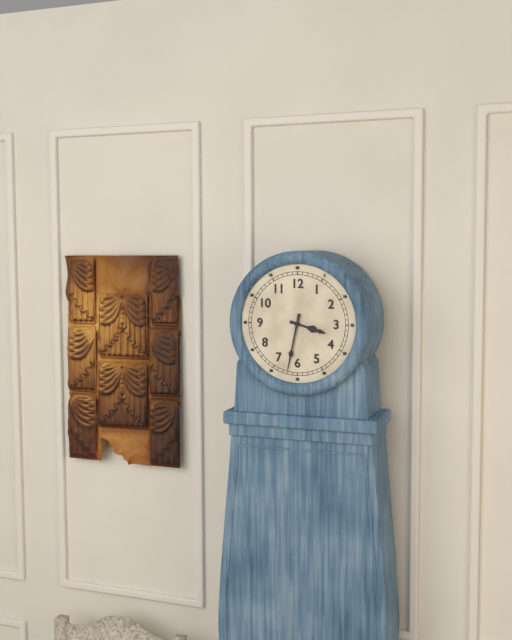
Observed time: 3:32
